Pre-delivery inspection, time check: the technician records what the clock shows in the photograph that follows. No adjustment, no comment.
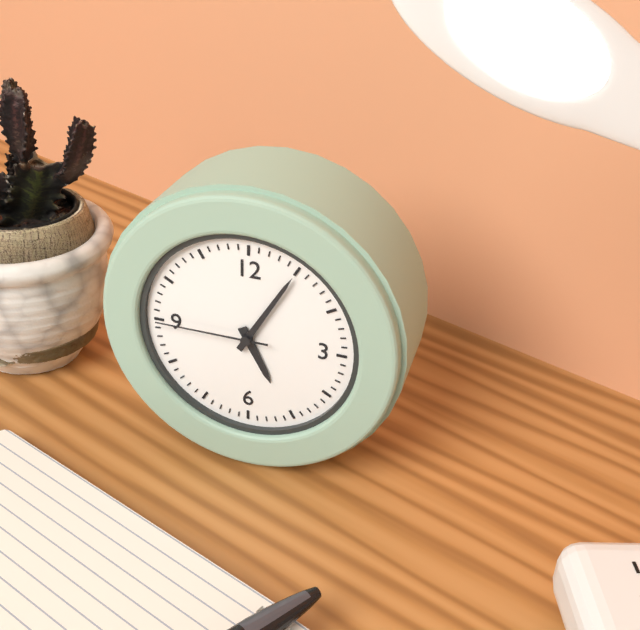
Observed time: 5:05:45
